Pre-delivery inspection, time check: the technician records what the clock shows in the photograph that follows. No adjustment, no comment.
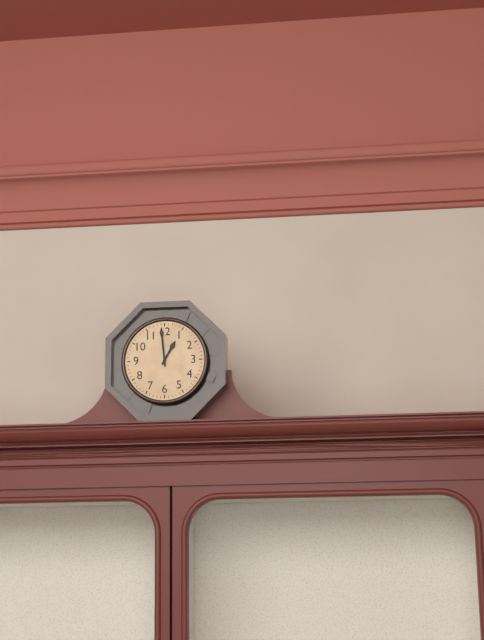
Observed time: 12:59
